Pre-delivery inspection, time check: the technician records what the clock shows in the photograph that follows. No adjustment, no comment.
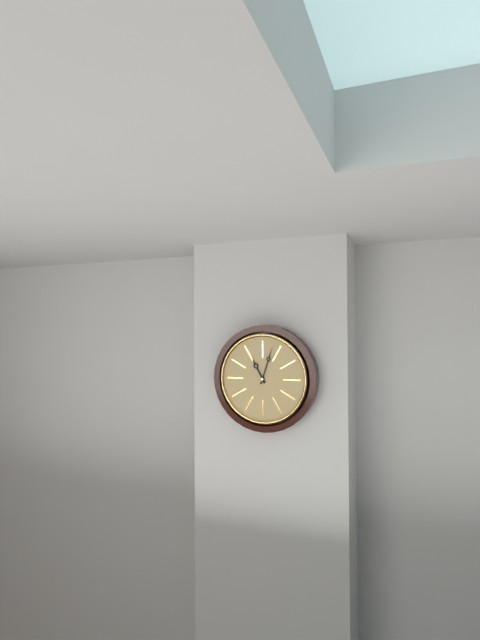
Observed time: 11:03
